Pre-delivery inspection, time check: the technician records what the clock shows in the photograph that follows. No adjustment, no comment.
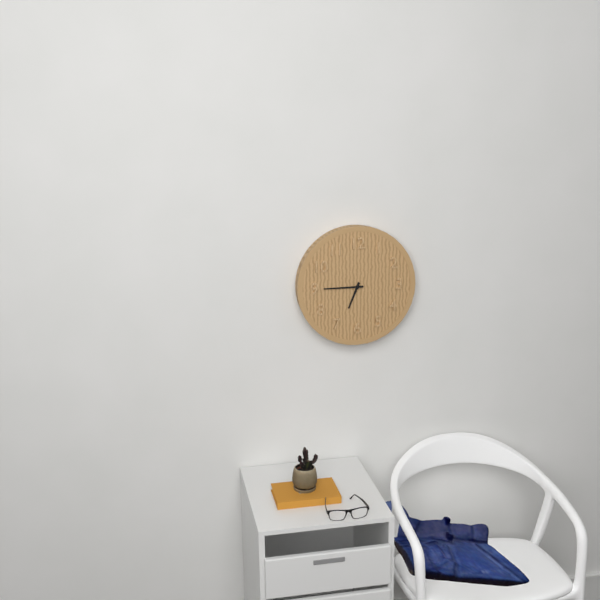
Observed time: 6:45
